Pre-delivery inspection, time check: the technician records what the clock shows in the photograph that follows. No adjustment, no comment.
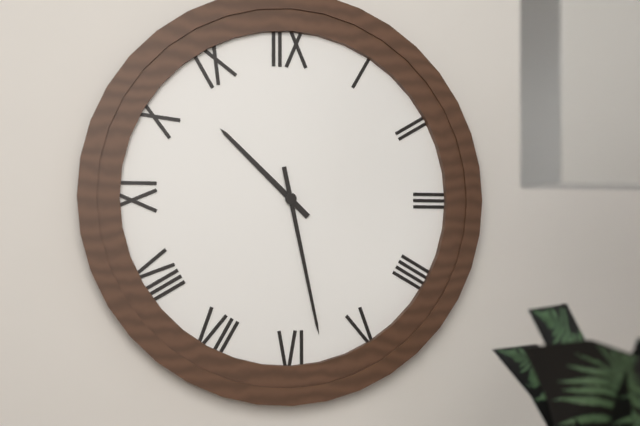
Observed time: 10:28
